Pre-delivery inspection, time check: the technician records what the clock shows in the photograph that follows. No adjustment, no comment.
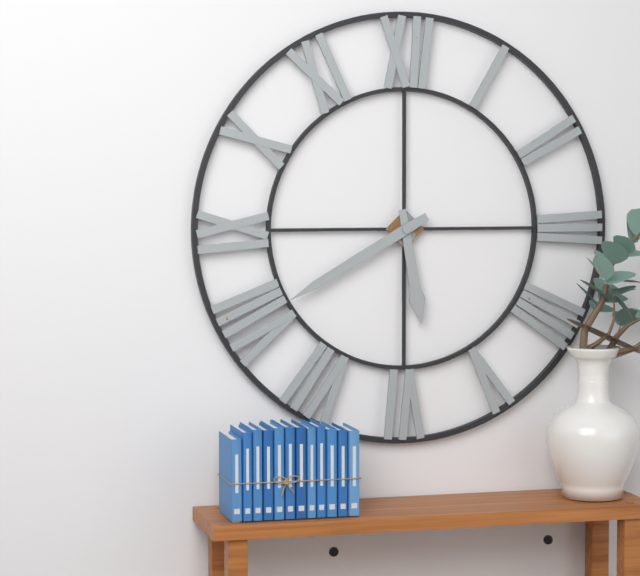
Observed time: 5:40
